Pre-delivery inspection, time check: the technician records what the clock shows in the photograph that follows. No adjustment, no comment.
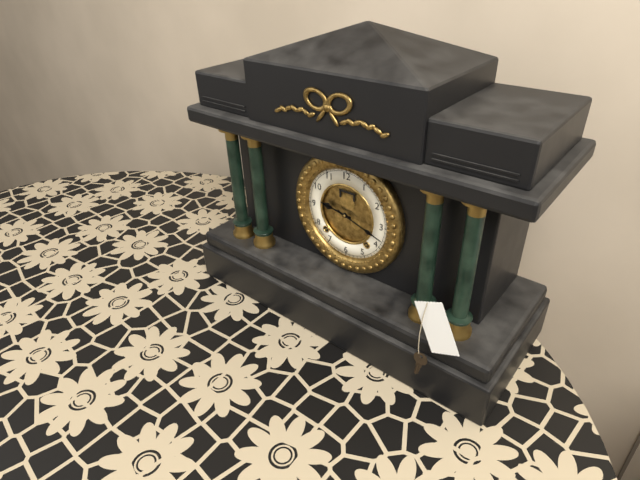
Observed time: 9:18
